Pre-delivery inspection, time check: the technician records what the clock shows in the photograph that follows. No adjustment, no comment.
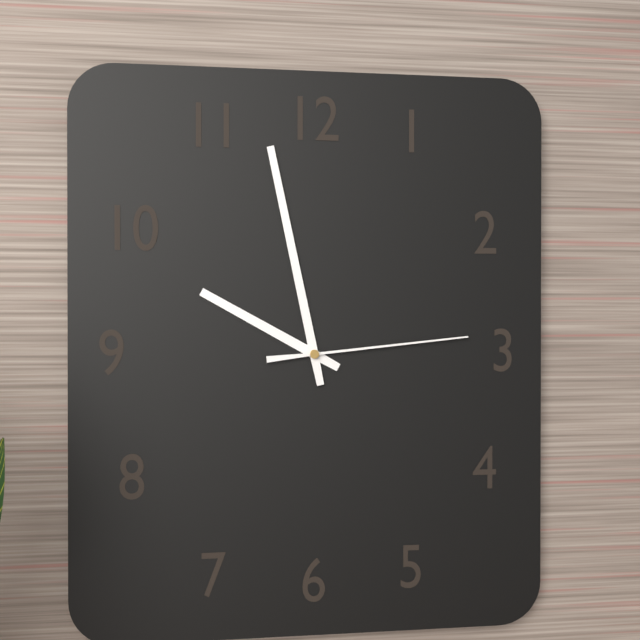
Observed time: 9:58:14
